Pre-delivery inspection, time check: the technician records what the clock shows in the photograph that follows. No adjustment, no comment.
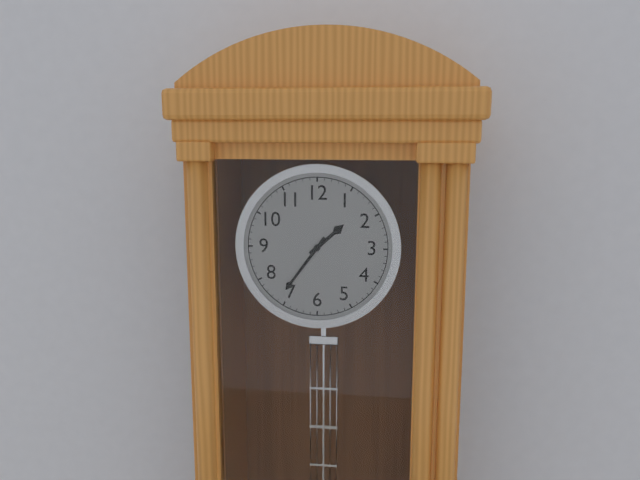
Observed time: 1:36
